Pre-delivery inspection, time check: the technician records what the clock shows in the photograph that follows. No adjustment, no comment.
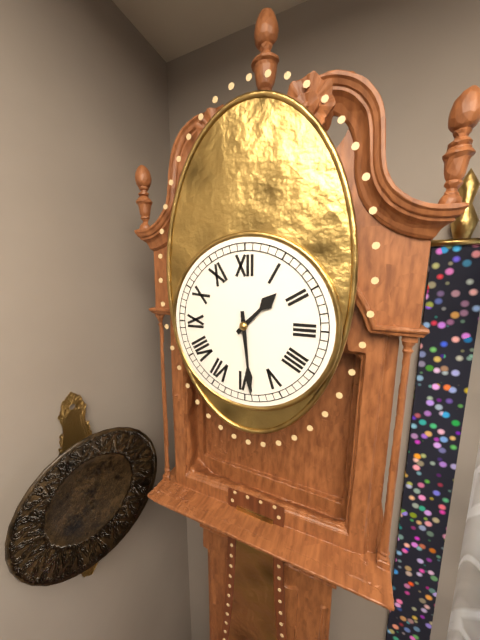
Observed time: 1:29
